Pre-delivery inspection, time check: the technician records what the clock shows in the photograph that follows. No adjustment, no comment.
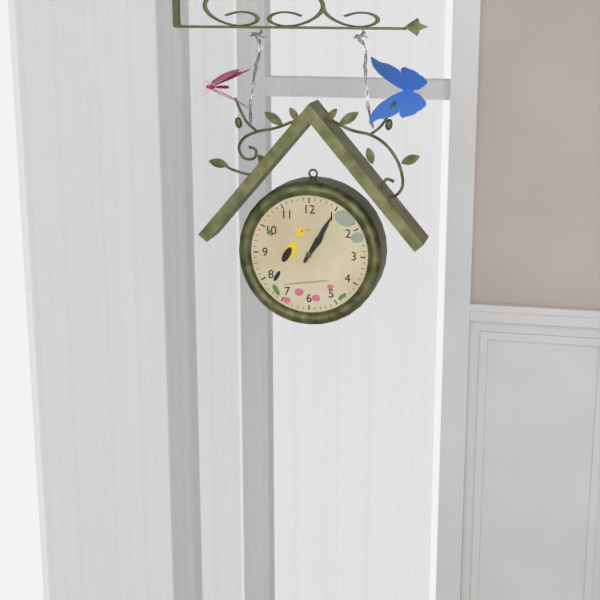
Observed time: 1:05
